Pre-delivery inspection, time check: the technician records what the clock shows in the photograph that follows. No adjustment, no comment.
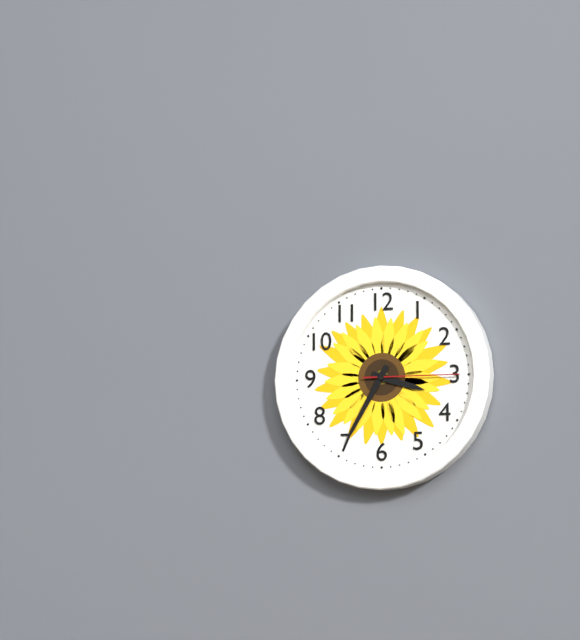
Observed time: 3:35:15
